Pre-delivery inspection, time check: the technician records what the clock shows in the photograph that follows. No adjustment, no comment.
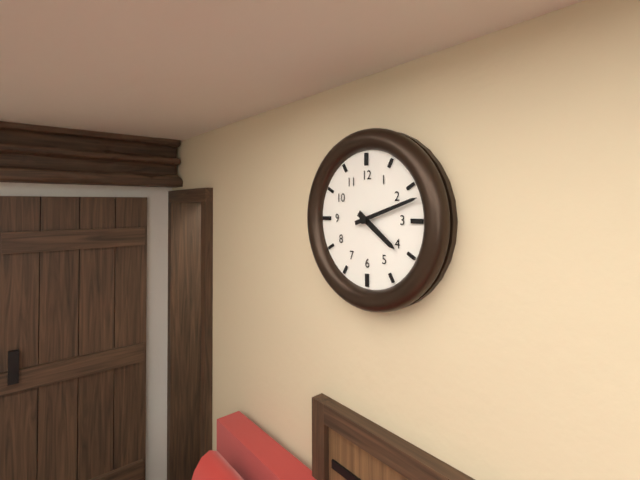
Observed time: 4:12
